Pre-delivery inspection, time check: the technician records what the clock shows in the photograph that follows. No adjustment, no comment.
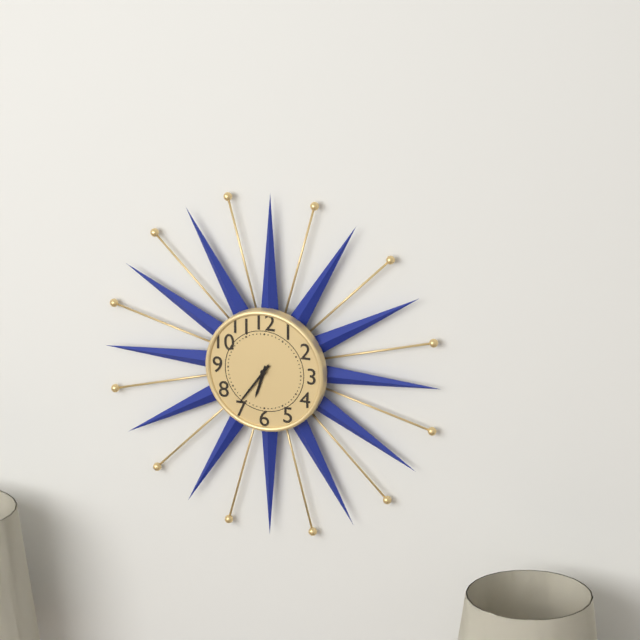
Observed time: 6:36
